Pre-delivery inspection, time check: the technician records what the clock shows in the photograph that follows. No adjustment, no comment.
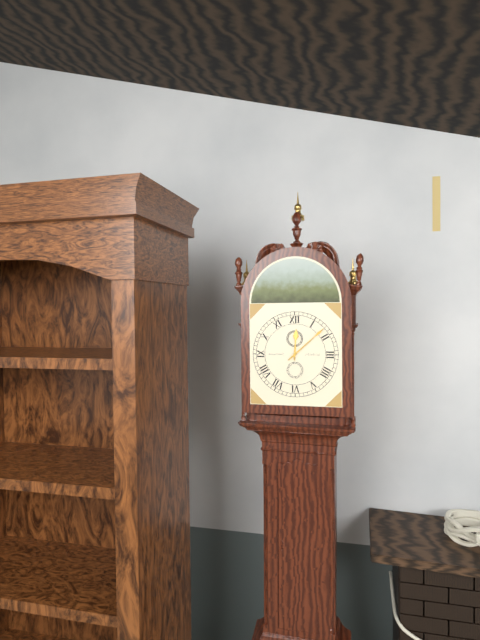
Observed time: 12:08
